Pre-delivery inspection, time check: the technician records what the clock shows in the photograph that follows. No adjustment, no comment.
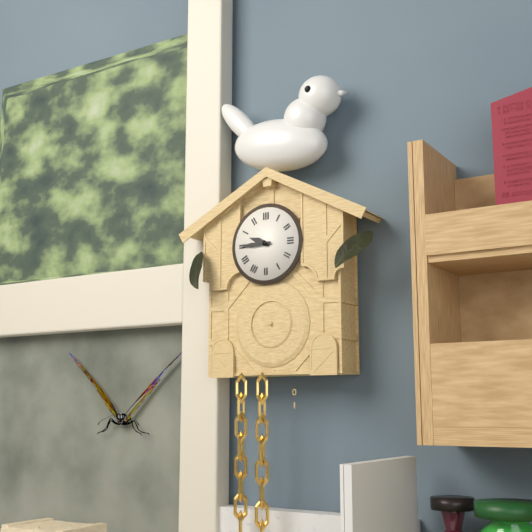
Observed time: 9:45
